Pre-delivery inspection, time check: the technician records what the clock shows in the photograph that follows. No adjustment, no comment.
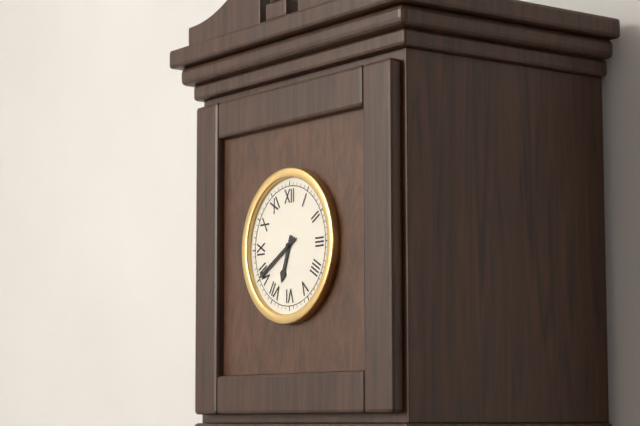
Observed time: 6:40
